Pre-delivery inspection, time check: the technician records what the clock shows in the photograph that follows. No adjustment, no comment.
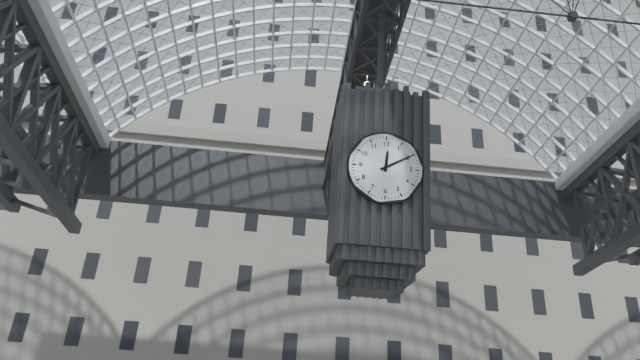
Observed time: 12:10
